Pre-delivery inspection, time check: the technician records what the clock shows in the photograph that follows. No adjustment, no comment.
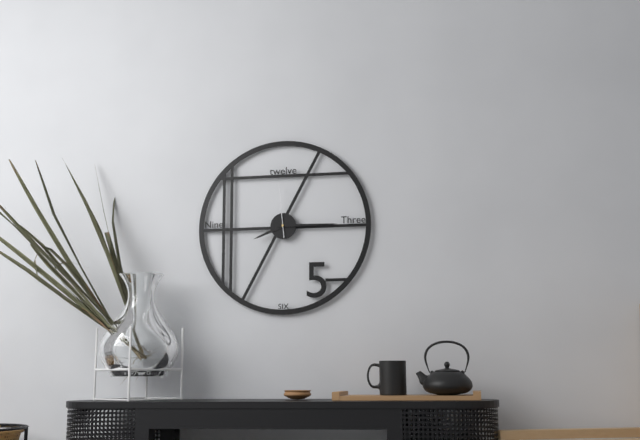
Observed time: 8:15:59
